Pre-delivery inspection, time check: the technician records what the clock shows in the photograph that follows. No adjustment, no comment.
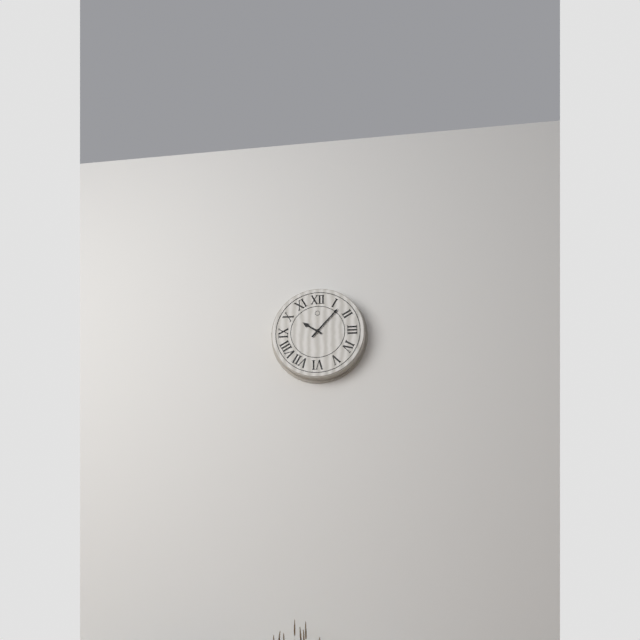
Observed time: 10:07
